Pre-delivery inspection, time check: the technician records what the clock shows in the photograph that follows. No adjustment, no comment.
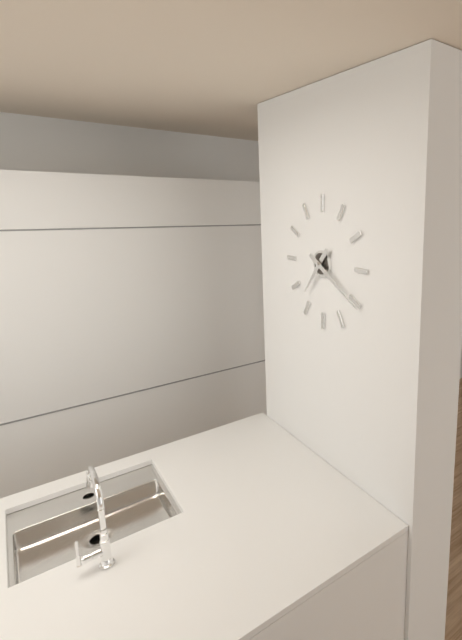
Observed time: 7:20
